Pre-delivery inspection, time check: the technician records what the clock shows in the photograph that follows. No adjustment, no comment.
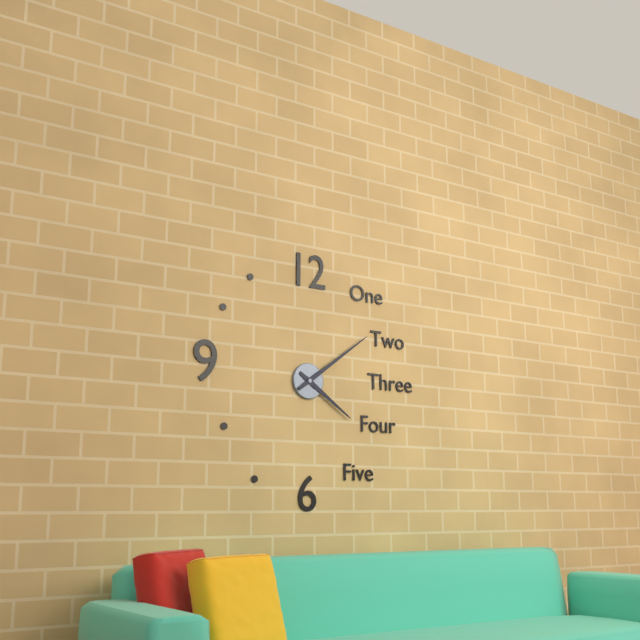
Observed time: 4:09
